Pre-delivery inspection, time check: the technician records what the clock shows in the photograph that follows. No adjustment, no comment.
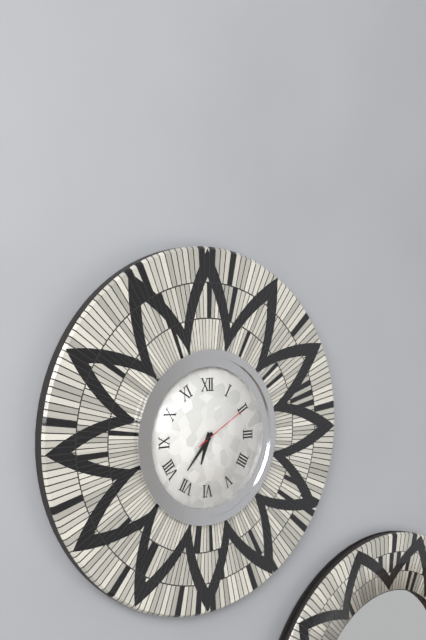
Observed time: 6:37:10
